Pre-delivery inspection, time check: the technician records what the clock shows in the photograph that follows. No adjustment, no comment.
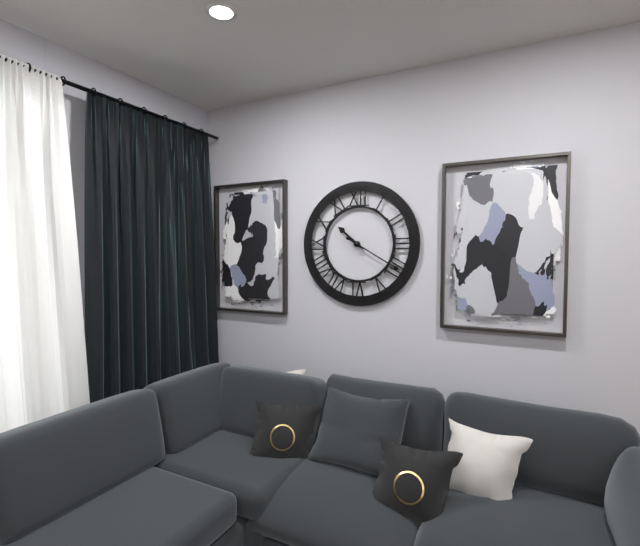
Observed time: 10:20
